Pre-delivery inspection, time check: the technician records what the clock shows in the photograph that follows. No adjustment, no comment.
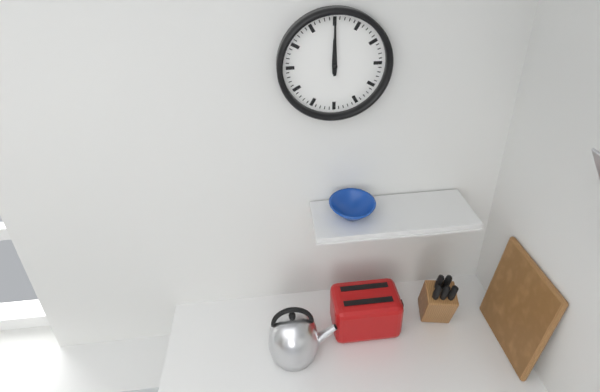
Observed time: 12:00
